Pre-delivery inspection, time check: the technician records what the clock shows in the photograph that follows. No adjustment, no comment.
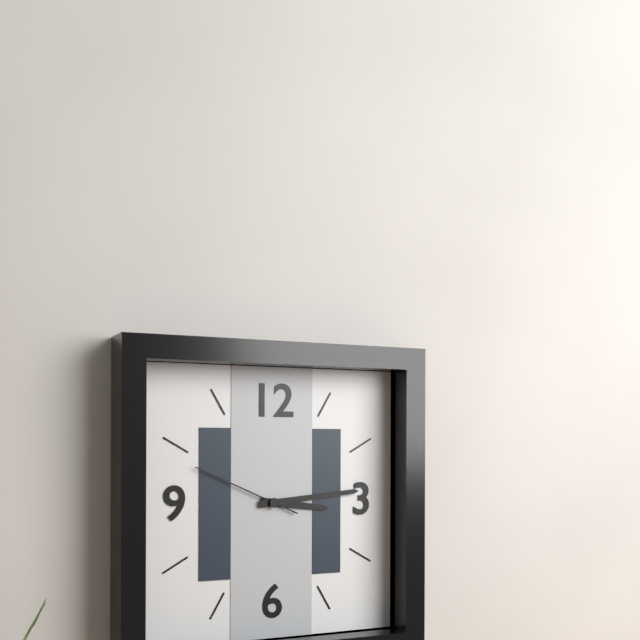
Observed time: 3:14:49
